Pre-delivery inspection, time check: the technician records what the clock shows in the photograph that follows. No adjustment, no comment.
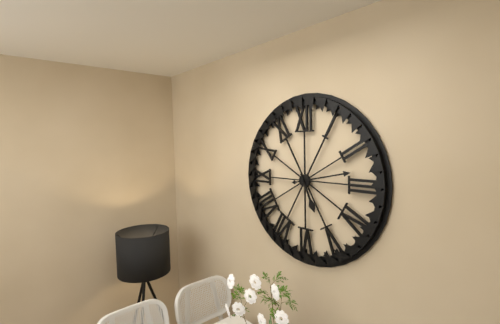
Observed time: 5:13
